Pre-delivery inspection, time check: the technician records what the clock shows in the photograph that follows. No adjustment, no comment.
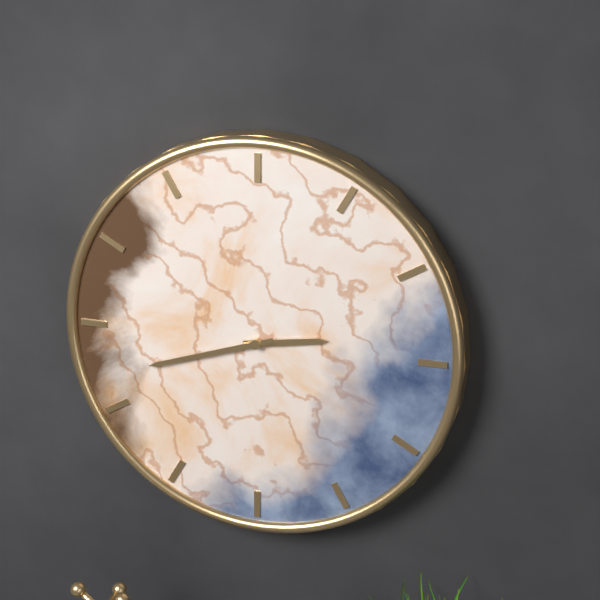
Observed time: 2:42
